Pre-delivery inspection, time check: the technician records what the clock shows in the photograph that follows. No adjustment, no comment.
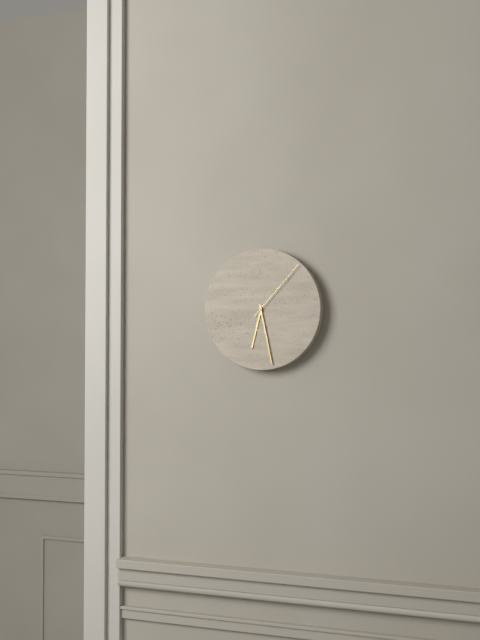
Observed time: 6:28:07
